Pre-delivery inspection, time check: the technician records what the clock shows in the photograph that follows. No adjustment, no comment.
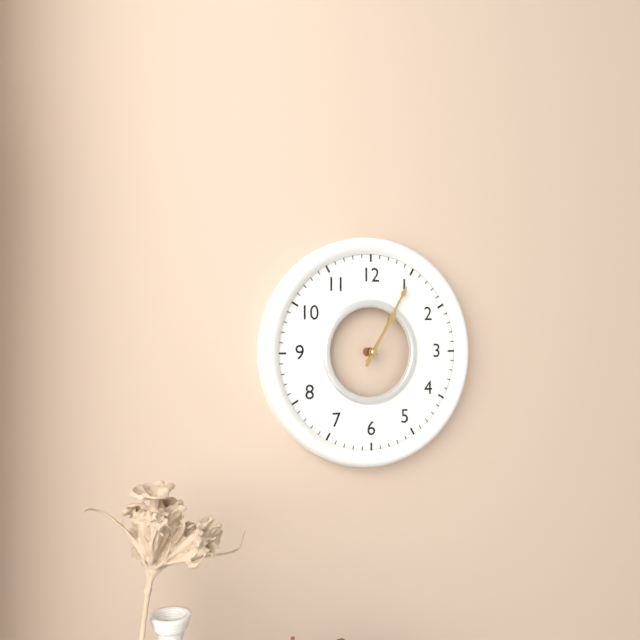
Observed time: 1:05
